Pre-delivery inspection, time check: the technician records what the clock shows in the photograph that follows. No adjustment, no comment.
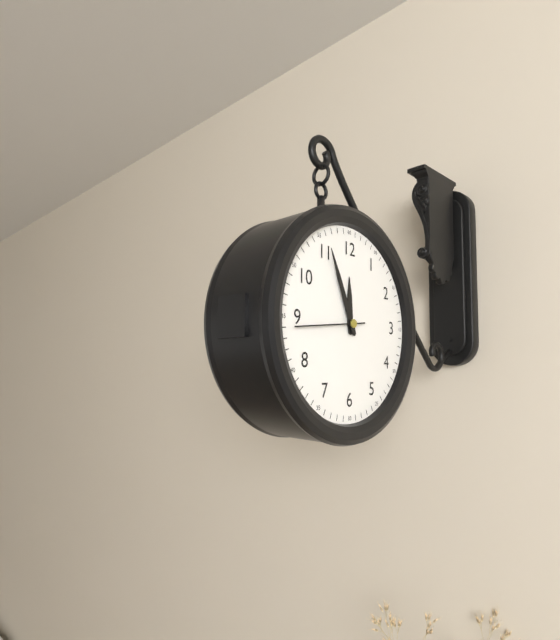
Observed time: 11:56:44
